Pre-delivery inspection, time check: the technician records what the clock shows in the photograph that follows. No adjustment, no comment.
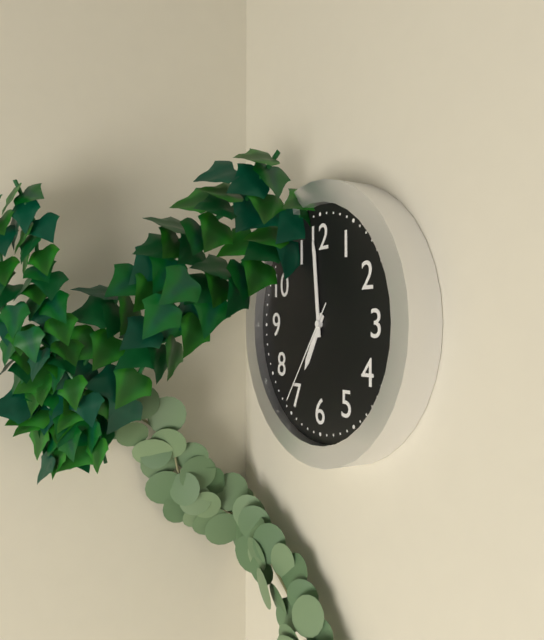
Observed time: 6:59:36
